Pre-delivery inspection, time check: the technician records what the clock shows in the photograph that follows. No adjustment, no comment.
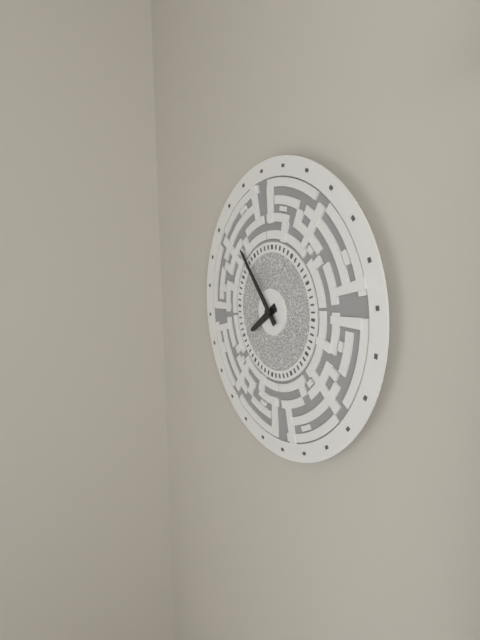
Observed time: 7:53
